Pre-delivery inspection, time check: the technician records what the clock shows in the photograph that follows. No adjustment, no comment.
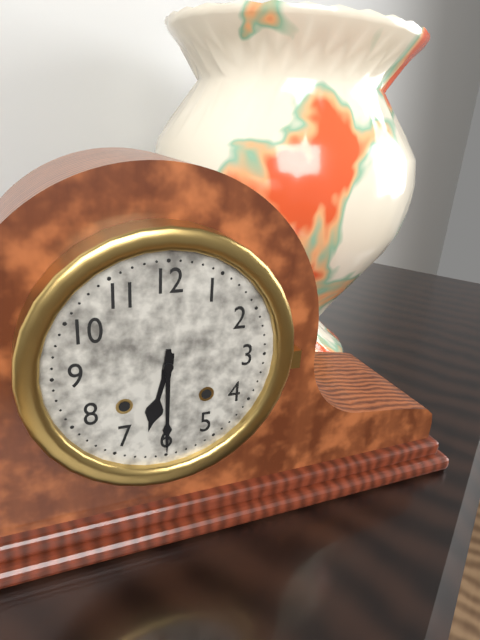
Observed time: 6:30
